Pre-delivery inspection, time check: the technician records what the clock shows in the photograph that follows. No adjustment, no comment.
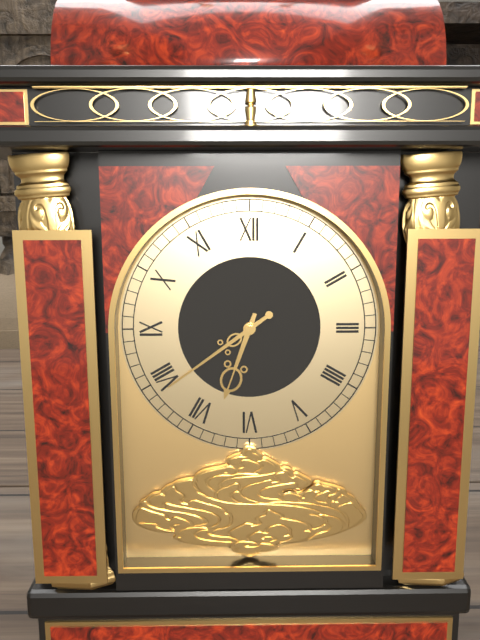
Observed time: 6:39
